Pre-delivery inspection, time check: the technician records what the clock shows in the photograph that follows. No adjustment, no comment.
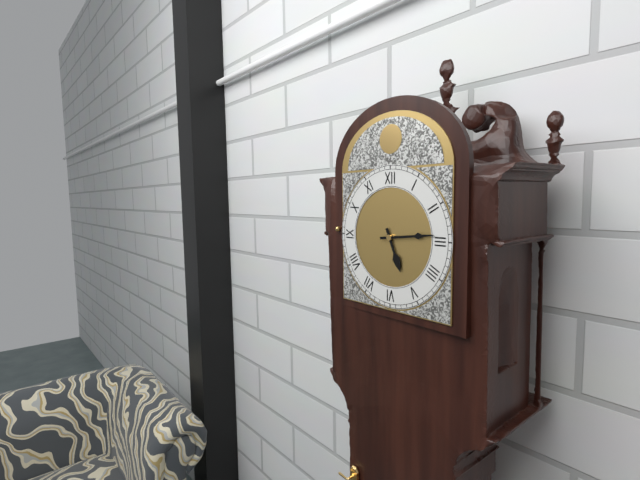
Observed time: 5:14
